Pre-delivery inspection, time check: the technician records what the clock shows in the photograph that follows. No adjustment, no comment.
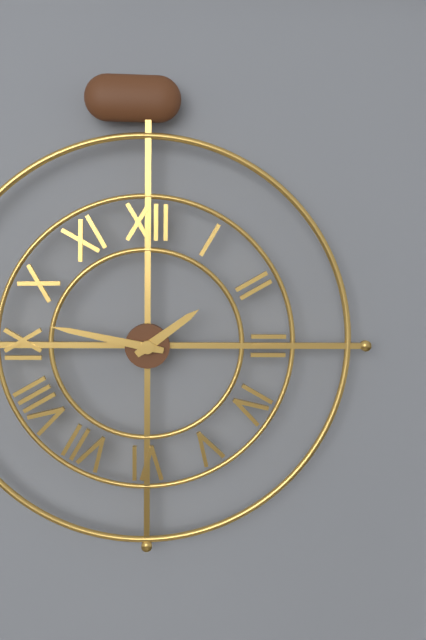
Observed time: 1:47
